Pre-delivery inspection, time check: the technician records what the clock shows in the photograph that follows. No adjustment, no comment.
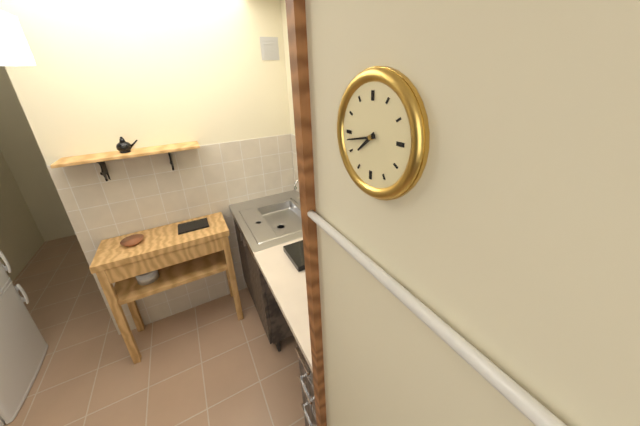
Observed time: 7:43
